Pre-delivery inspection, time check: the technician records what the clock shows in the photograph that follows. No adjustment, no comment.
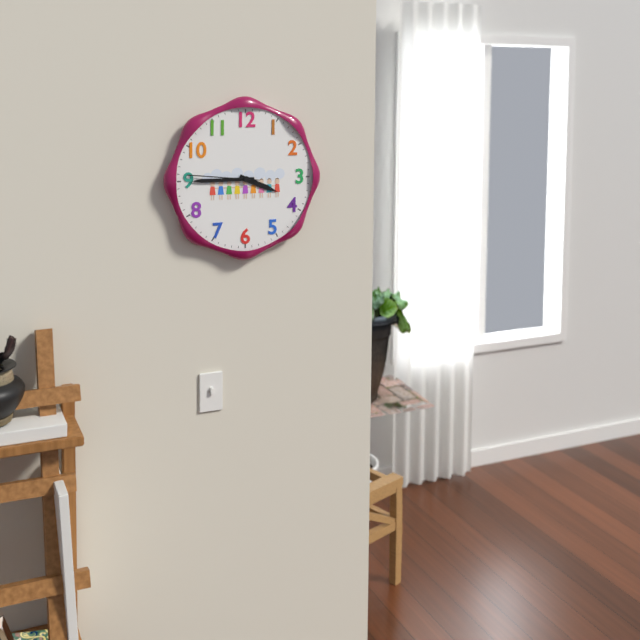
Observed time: 3:45:46
